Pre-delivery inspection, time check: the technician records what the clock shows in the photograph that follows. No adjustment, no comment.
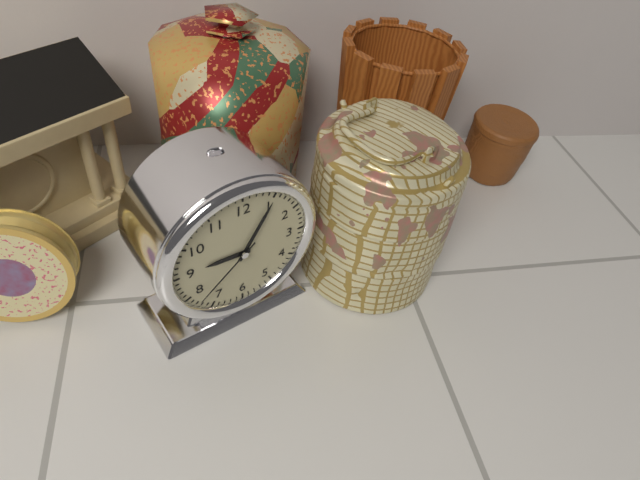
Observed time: 9:05:38
